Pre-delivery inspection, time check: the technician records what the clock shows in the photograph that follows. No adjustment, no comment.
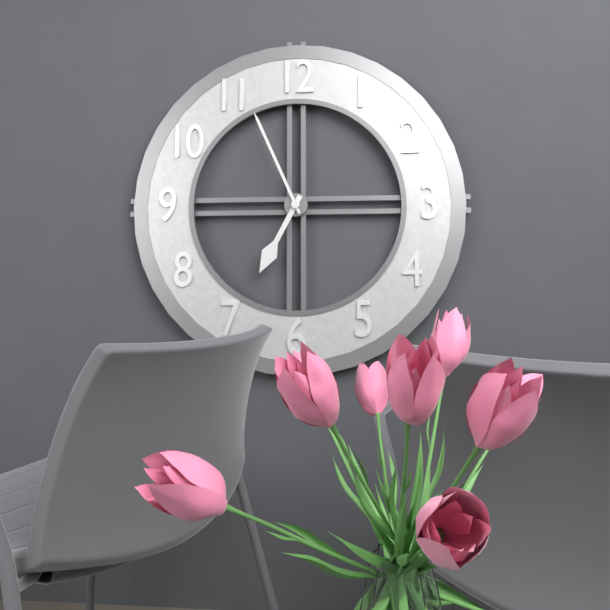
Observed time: 6:56
